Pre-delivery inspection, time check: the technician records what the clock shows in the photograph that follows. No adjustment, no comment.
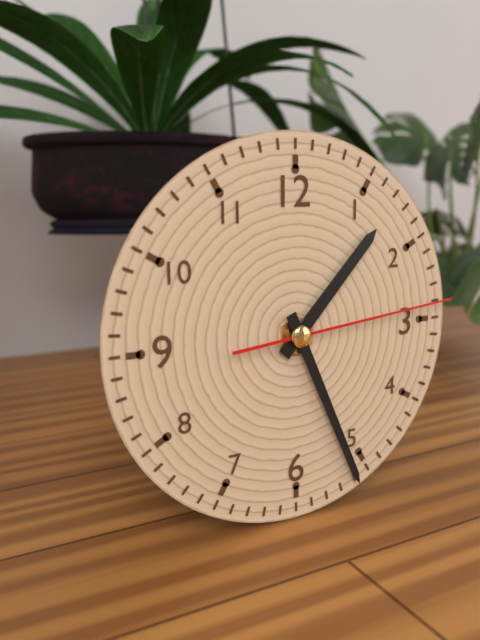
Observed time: 1:26:14
